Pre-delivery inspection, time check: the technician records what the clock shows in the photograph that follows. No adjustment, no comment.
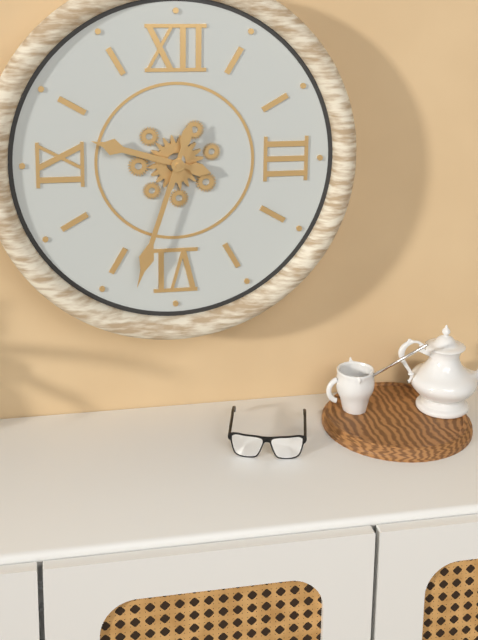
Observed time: 9:33
